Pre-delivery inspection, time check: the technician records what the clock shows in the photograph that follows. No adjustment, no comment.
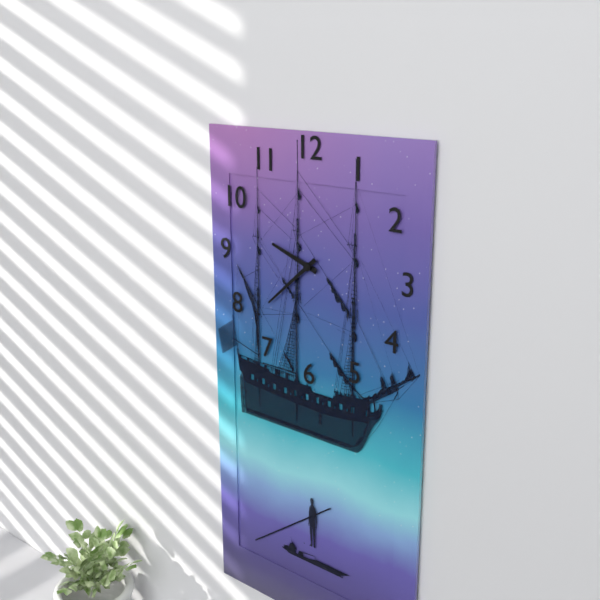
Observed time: 9:38
